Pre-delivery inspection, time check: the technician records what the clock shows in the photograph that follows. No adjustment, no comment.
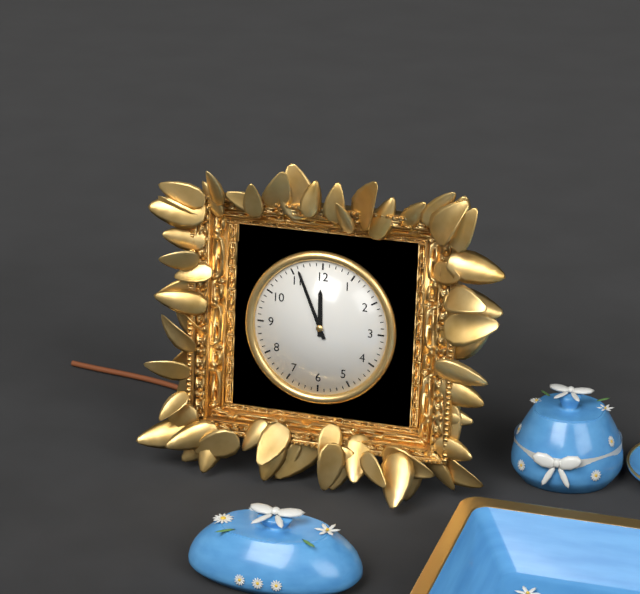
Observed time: 11:56
